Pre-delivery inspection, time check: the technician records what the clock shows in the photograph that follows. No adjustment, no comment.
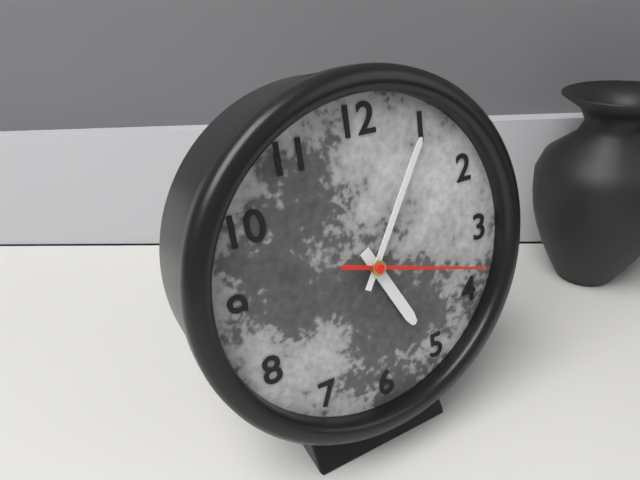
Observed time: 5:05:18
